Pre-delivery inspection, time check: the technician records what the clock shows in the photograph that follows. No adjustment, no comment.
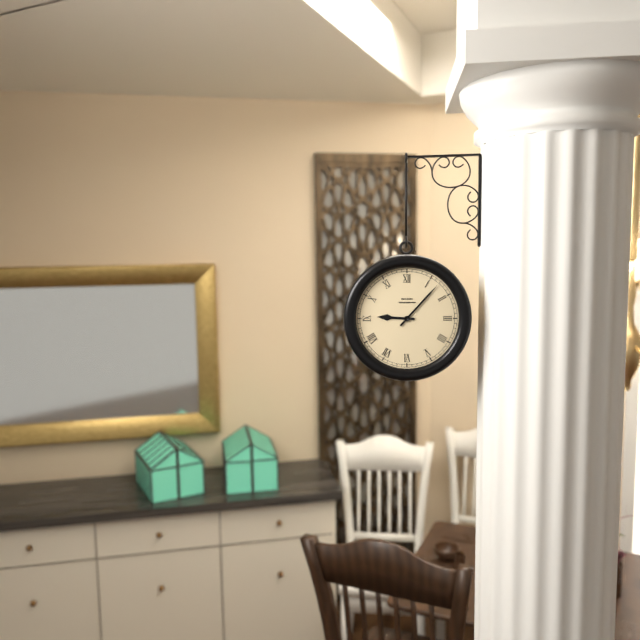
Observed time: 9:07
